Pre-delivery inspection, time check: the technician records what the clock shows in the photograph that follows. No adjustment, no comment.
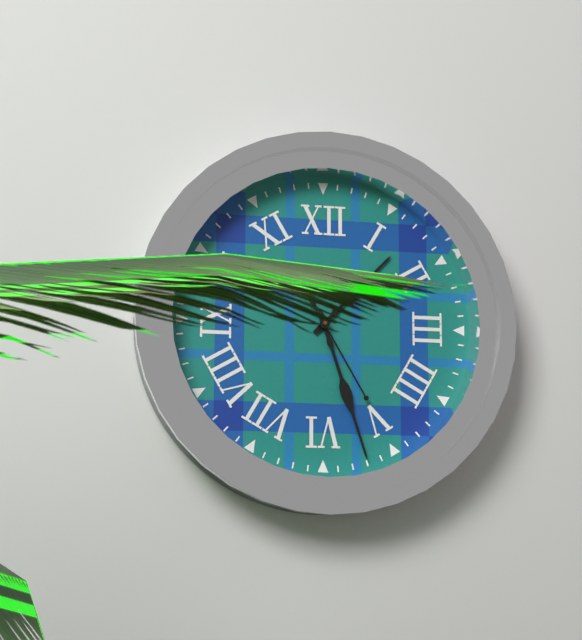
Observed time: 1:27:25
